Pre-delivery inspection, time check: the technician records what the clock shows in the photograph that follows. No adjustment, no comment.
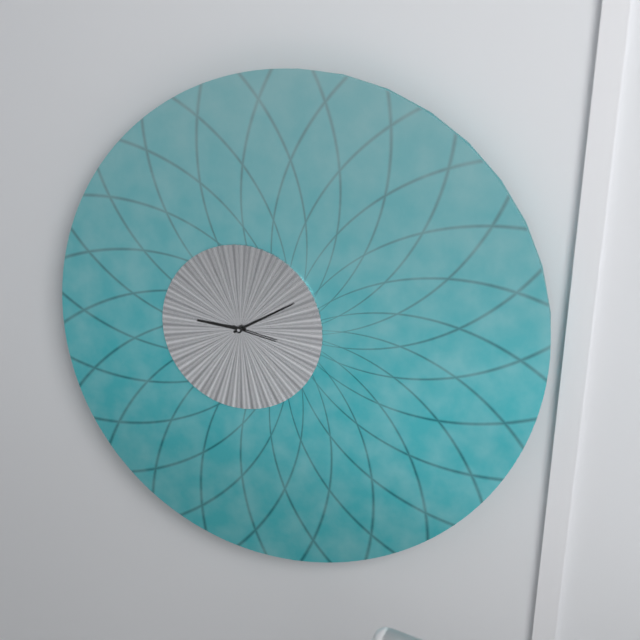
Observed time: 9:10
